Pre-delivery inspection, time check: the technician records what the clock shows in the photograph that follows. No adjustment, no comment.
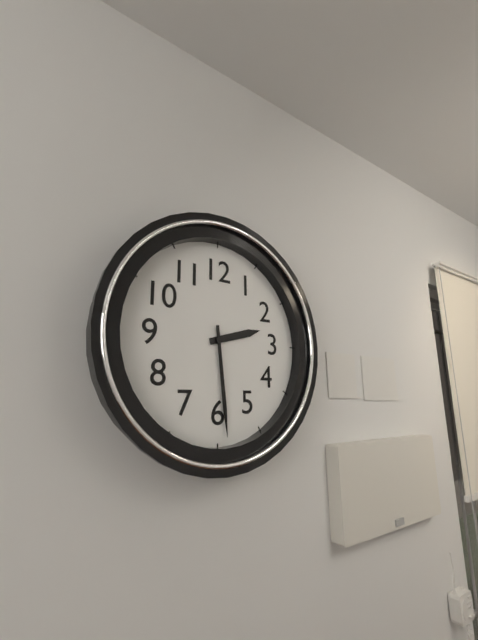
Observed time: 2:29
